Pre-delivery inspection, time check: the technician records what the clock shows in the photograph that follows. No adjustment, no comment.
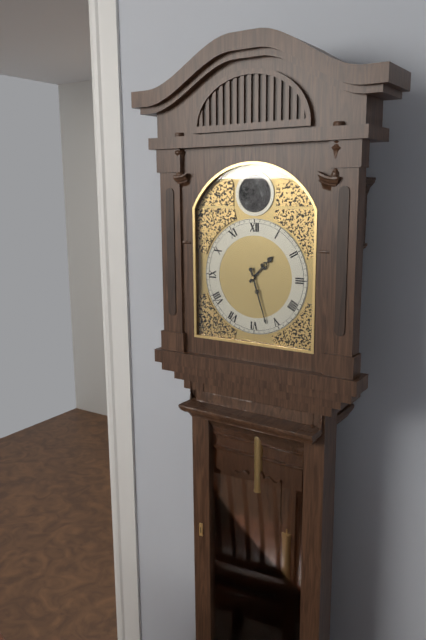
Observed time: 1:27
